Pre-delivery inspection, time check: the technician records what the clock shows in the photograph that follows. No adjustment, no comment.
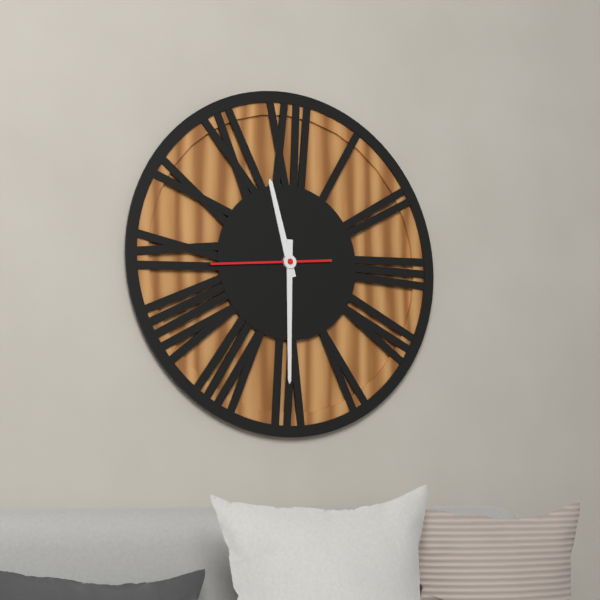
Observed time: 11:30:44
